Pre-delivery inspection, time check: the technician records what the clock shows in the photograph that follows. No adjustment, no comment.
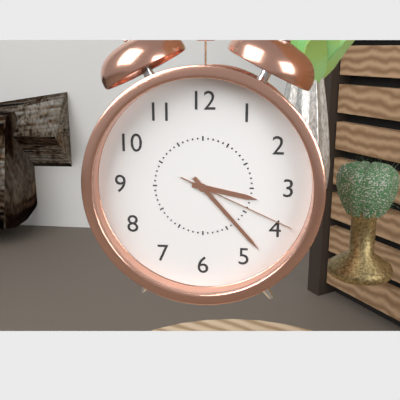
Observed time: 3:23:19
